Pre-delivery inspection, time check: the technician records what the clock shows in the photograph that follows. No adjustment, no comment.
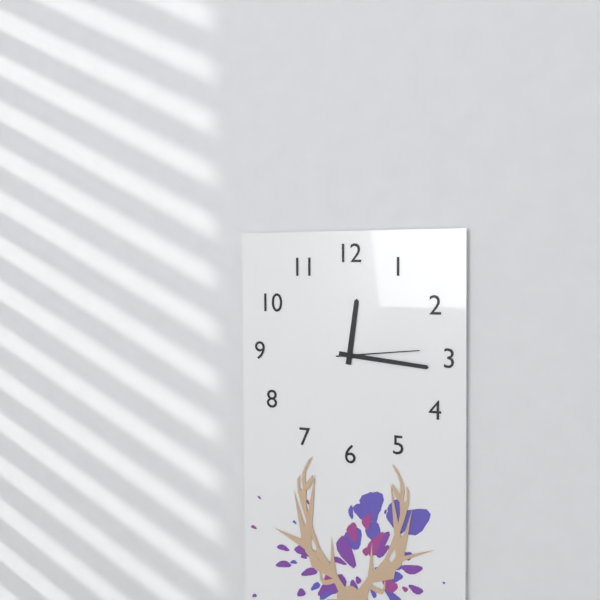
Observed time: 12:16:14
